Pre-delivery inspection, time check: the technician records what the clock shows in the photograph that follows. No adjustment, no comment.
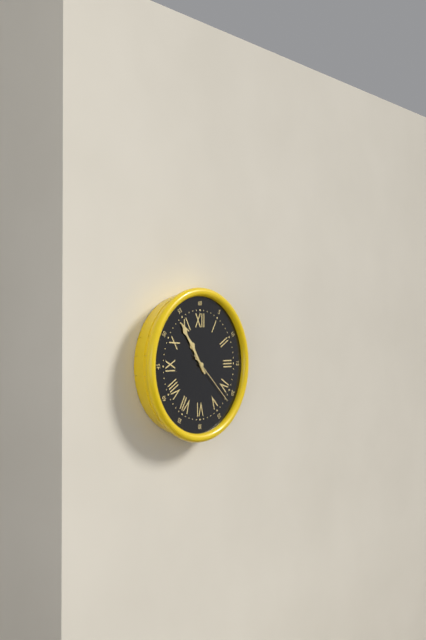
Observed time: 10:54:22
